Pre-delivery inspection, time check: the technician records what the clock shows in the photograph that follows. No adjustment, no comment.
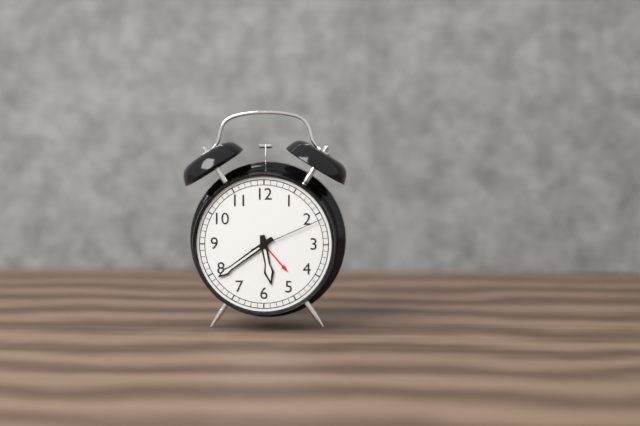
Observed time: 5:39:11
